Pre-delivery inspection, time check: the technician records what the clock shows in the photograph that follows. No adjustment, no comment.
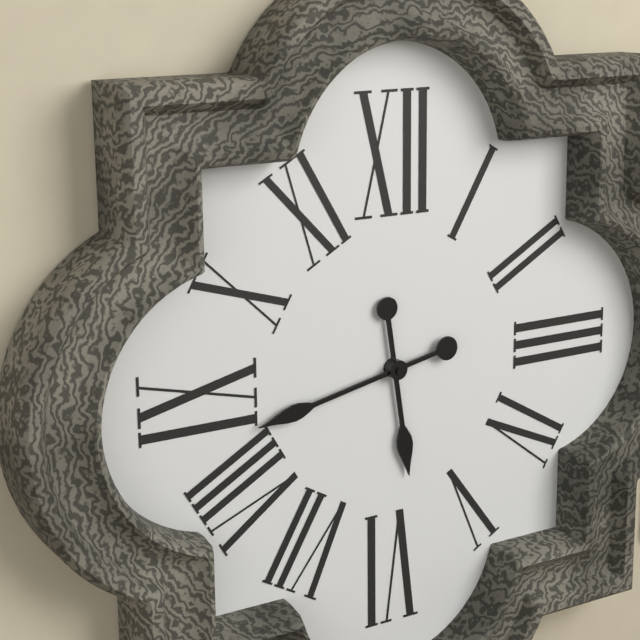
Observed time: 5:43
